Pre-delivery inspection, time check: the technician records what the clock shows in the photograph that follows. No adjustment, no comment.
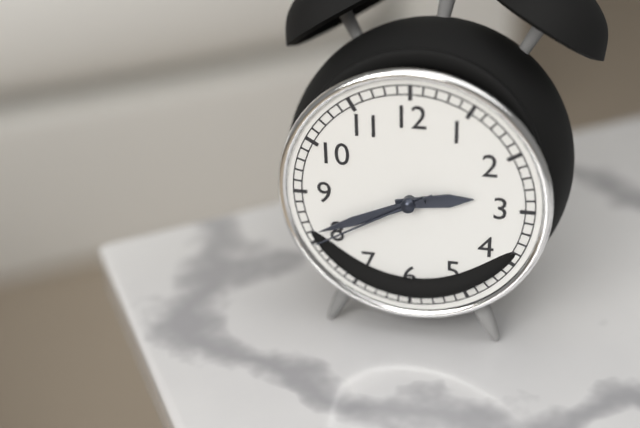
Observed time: 2:41:40
